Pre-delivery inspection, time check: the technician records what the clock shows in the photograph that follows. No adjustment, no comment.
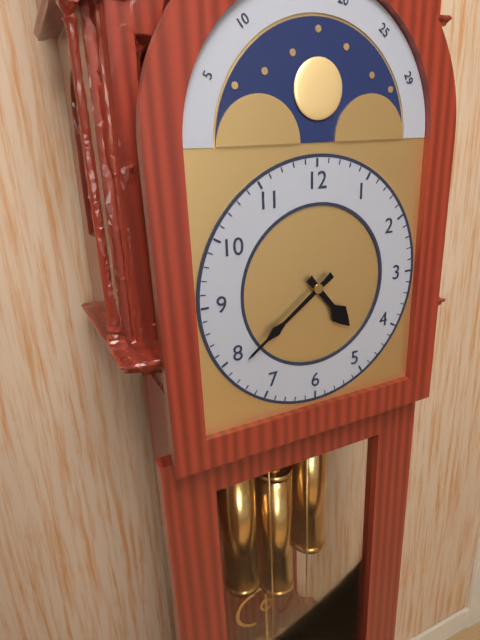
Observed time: 4:39
